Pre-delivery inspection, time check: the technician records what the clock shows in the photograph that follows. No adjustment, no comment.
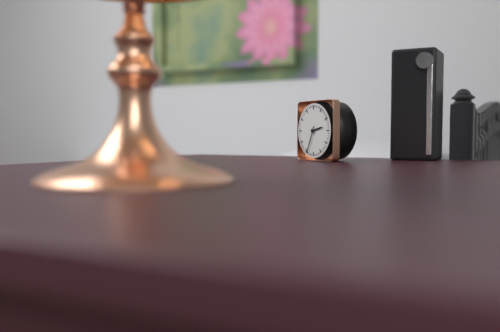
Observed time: 2:34
